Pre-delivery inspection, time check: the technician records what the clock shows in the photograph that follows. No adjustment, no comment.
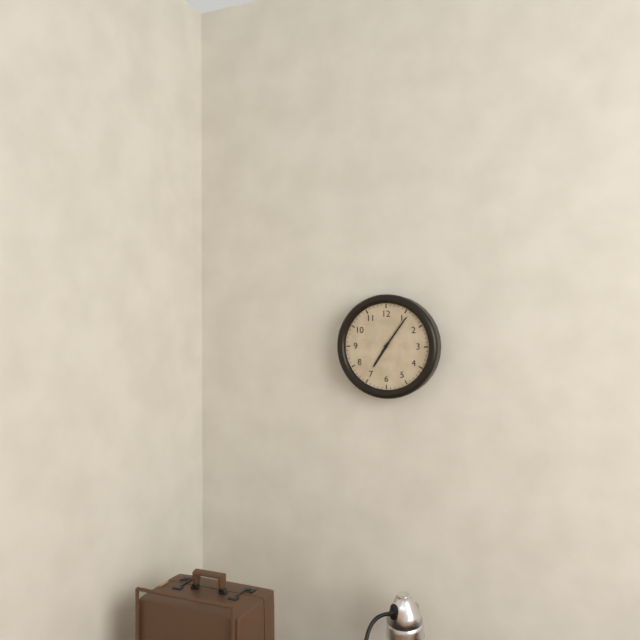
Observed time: 7:06
